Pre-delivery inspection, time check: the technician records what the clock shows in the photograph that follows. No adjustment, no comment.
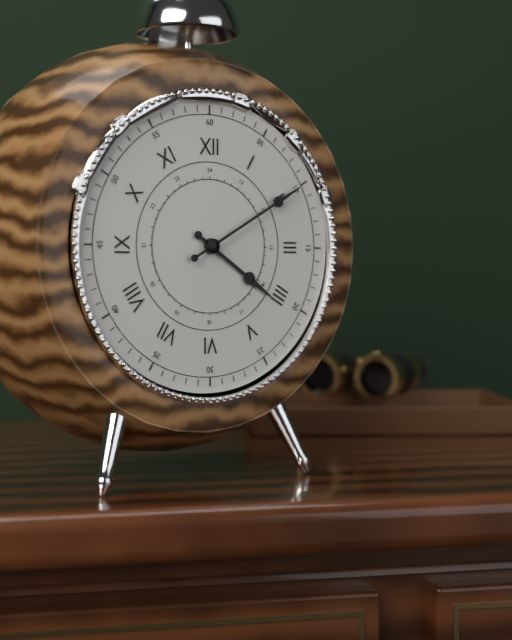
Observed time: 4:10
